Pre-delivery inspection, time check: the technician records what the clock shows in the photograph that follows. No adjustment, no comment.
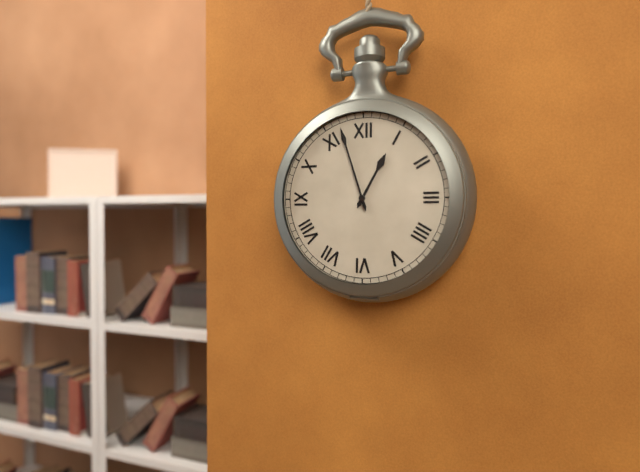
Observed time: 12:57
